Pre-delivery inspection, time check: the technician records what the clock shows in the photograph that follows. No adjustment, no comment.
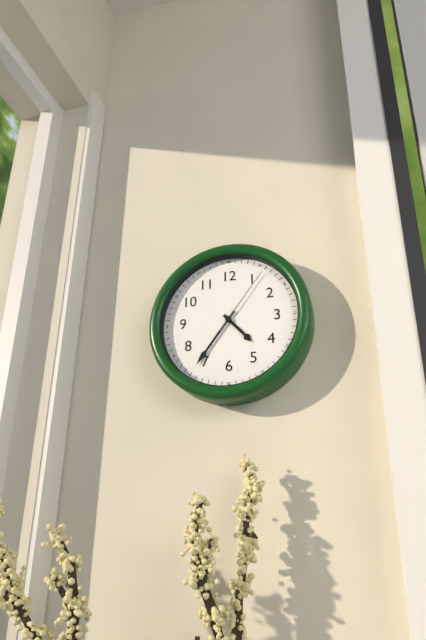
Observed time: 4:36:06
